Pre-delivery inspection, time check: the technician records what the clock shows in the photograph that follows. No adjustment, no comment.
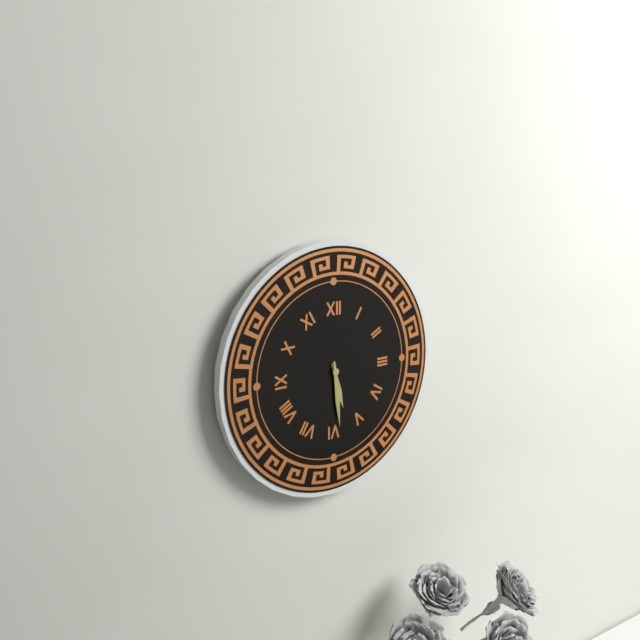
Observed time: 5:29
